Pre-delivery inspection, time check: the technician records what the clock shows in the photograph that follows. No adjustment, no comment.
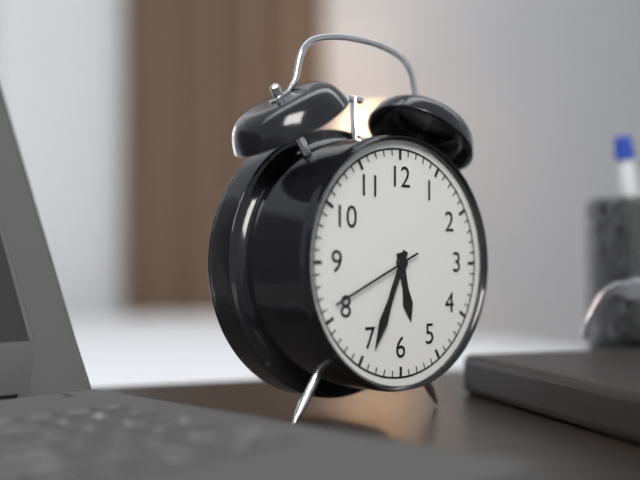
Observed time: 5:34:41
